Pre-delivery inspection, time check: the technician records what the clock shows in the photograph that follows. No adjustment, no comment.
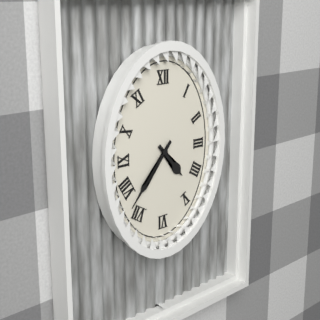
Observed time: 4:37
